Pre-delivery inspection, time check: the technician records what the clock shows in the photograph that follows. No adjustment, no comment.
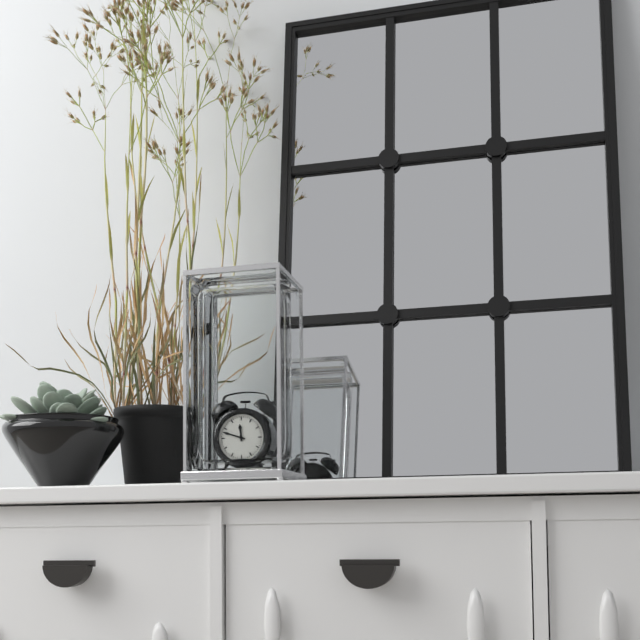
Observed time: 11:48
